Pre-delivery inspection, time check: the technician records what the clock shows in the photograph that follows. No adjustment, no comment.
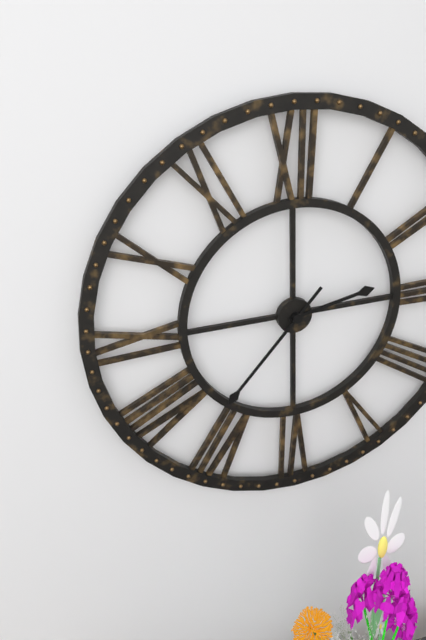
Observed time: 2:37
